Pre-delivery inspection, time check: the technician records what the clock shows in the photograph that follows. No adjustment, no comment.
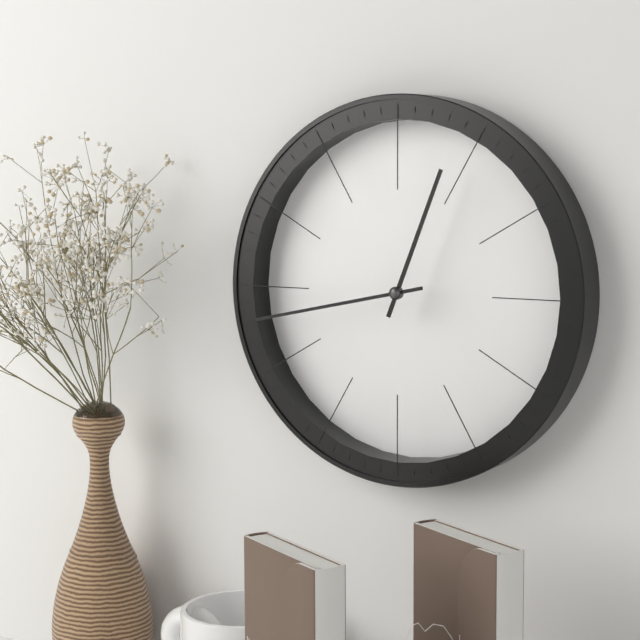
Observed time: 12:43
